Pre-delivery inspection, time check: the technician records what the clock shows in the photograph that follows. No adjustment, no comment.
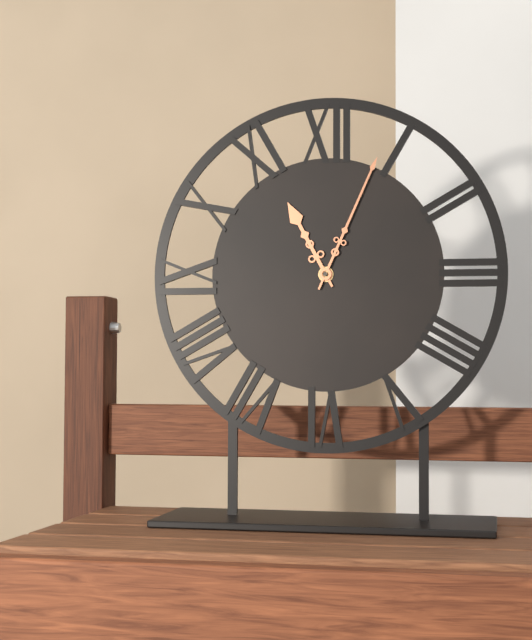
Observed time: 11:04
